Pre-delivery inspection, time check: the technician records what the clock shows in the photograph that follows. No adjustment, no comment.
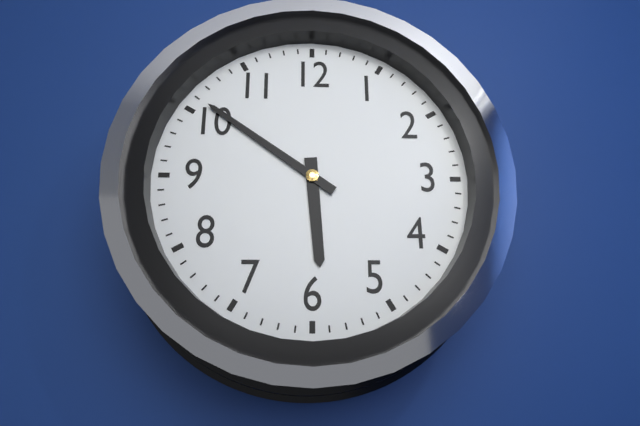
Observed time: 5:51
